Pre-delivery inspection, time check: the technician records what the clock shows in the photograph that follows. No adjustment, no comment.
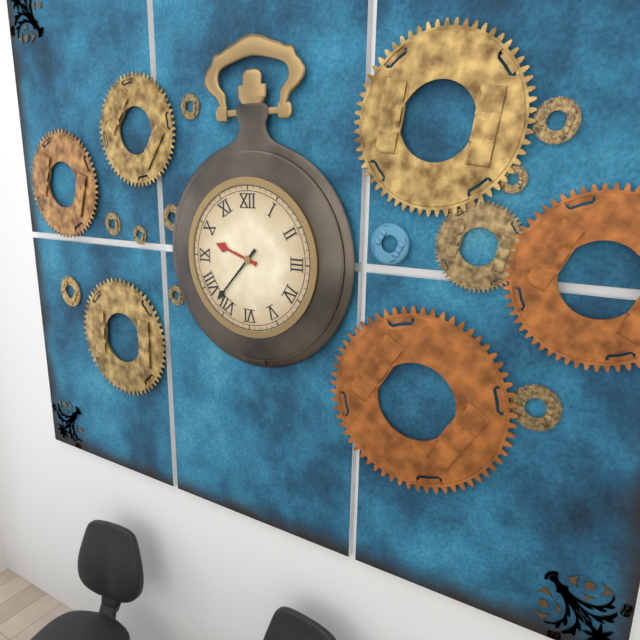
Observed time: 9:37
